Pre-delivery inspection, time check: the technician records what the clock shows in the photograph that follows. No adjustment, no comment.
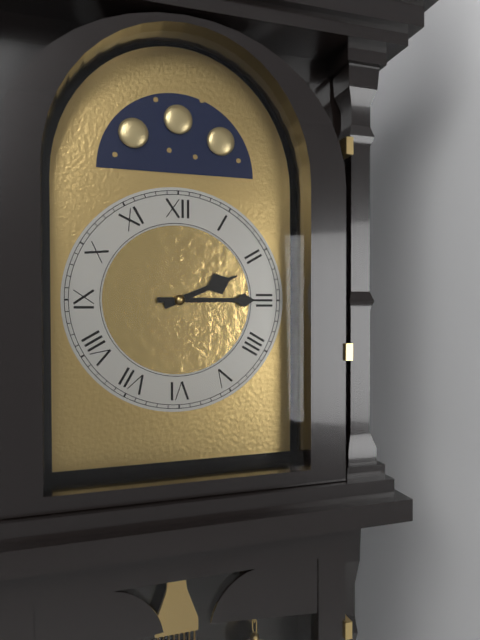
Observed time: 2:15
